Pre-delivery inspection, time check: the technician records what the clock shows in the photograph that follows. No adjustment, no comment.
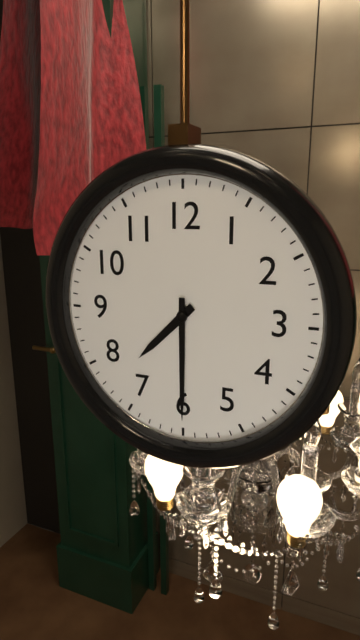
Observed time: 7:30
